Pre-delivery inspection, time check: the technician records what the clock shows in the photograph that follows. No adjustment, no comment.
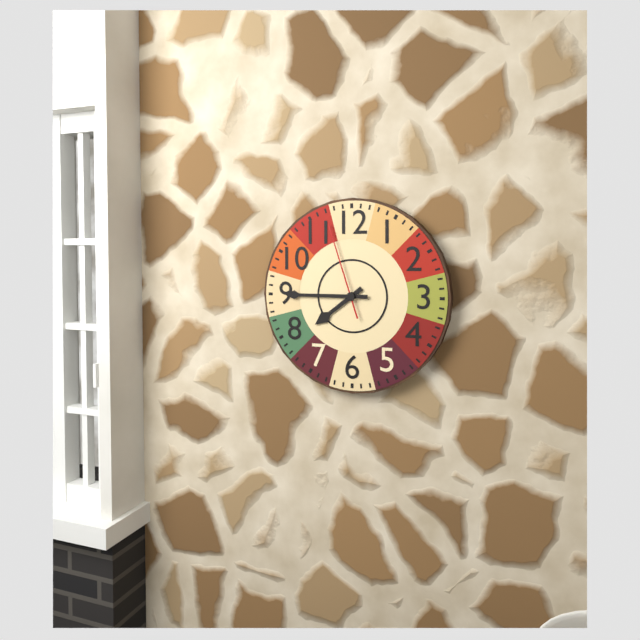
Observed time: 7:45:57
